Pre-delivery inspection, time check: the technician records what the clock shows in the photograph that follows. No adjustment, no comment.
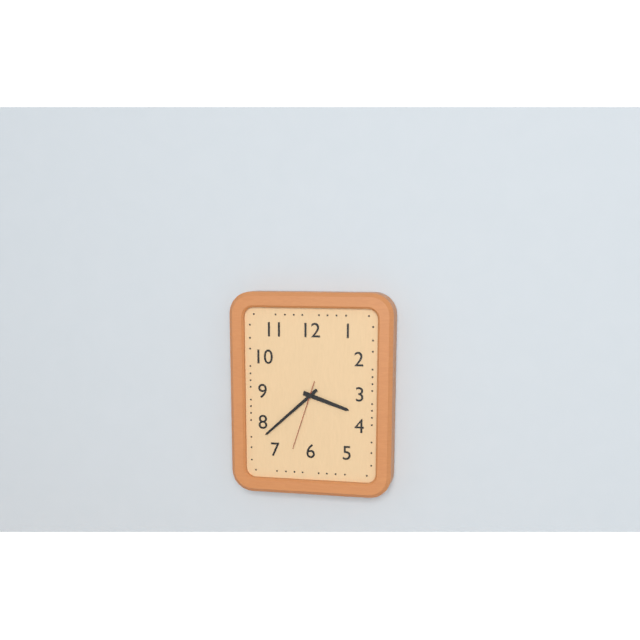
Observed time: 3:38:33
